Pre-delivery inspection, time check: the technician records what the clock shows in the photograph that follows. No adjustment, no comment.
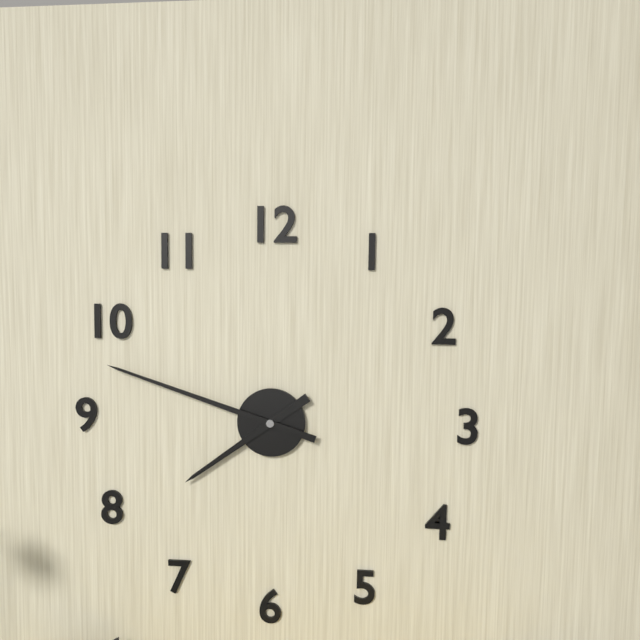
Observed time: 7:48
